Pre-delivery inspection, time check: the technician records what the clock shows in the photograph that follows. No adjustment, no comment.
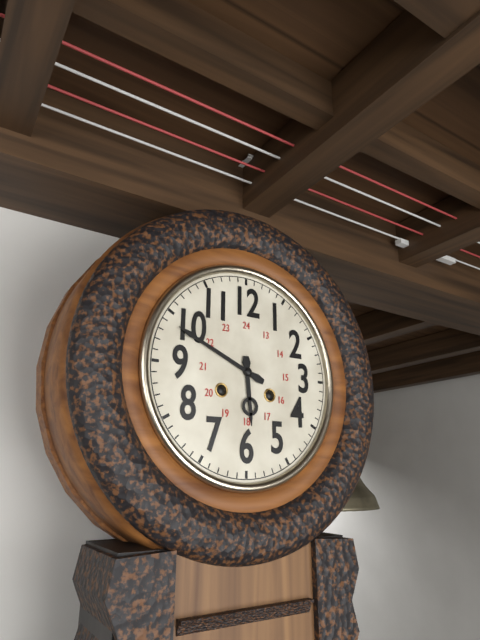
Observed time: 5:49
